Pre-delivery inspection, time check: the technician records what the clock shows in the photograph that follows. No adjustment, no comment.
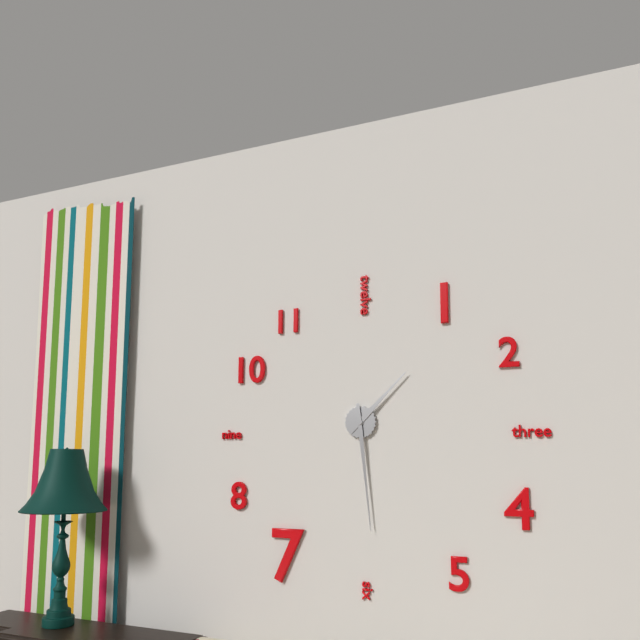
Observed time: 1:29
